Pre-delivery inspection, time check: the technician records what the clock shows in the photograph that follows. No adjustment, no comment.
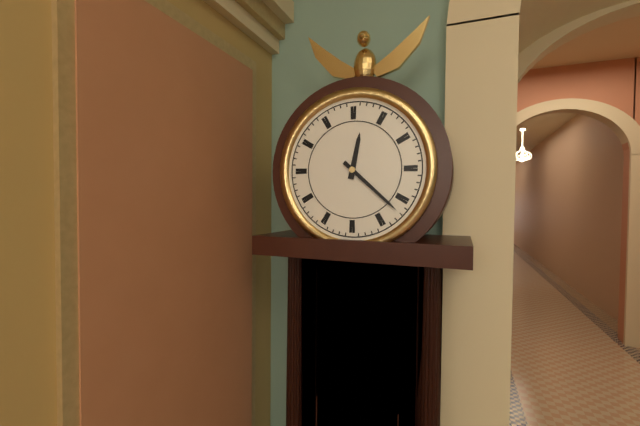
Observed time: 12:22
